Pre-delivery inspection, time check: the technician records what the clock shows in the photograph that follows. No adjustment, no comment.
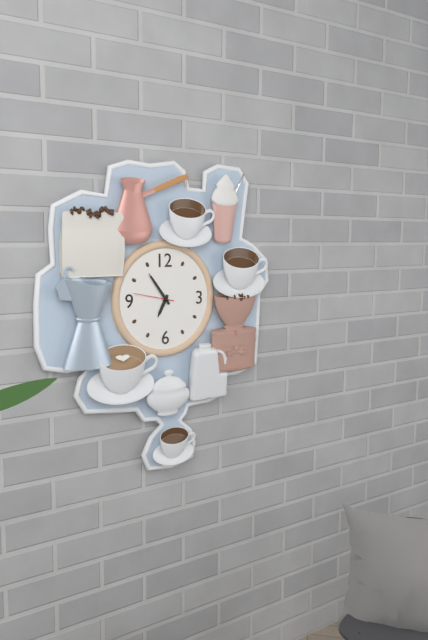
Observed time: 6:54
